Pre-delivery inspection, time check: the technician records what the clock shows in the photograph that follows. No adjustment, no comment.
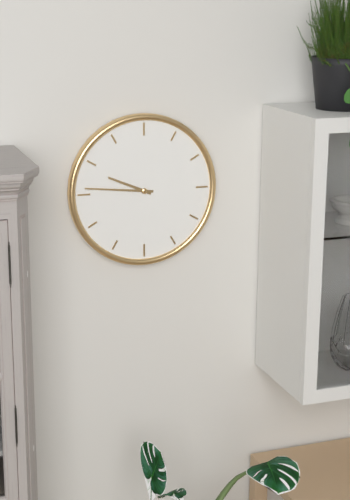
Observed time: 9:46
